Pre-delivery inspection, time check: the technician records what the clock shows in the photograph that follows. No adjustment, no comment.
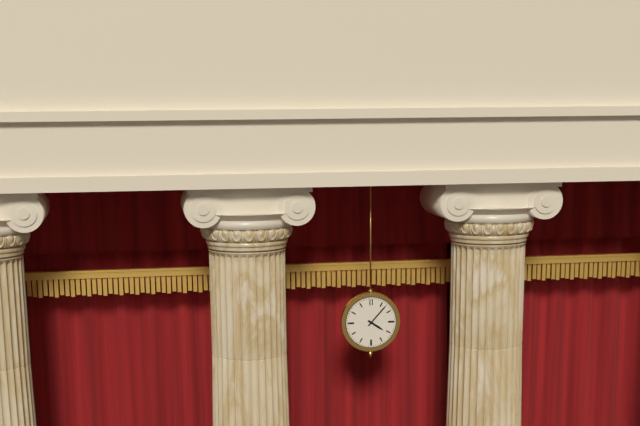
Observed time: 4:07
